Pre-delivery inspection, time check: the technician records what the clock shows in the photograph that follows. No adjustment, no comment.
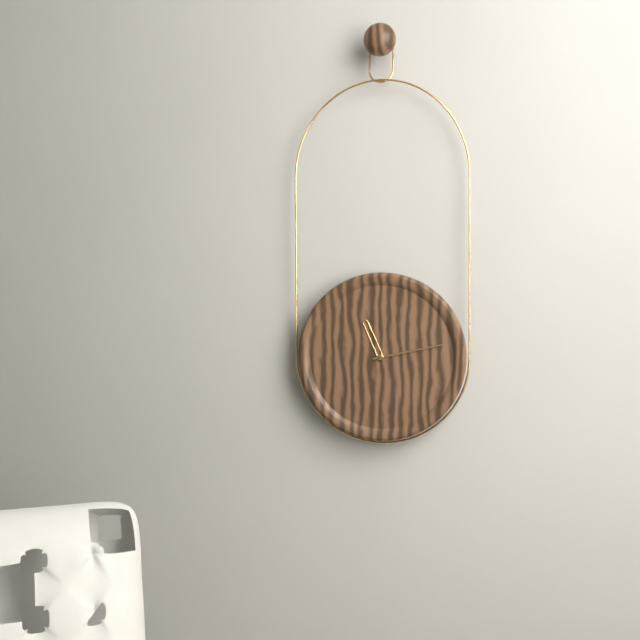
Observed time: 11:13
